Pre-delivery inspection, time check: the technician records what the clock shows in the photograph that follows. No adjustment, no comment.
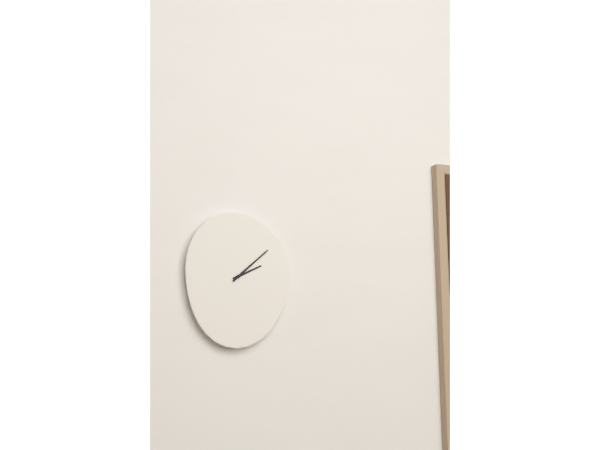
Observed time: 2:08
